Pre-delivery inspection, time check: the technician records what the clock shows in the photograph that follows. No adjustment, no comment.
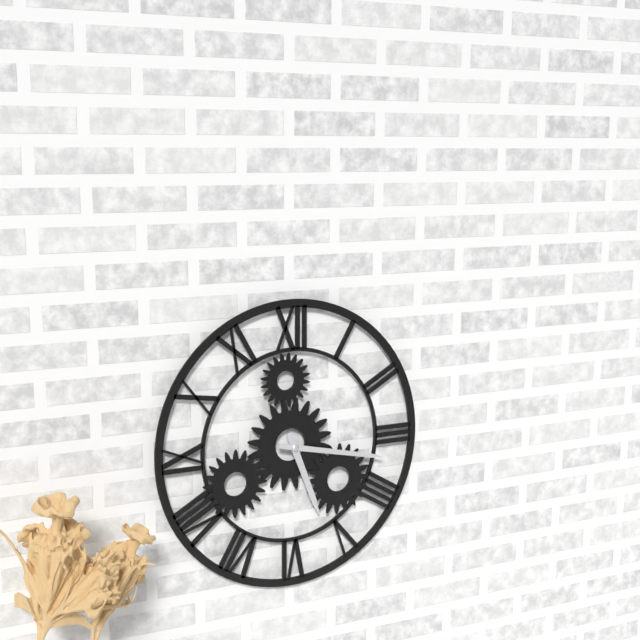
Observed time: 5:17
